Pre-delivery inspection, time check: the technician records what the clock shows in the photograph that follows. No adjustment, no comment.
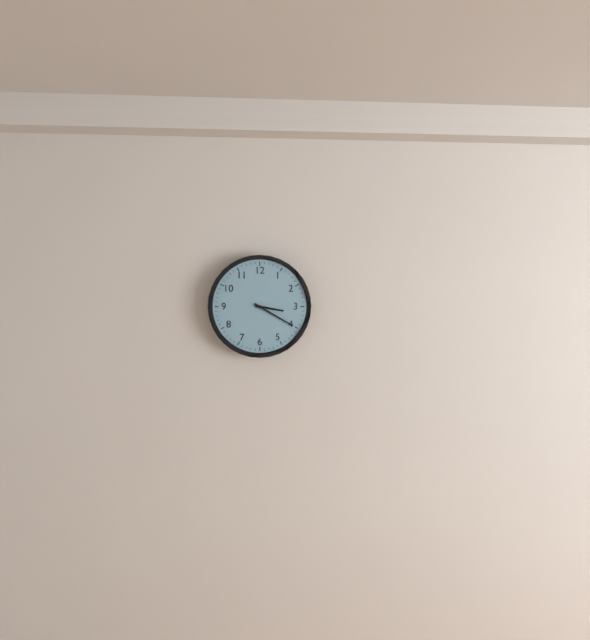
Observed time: 3:20
